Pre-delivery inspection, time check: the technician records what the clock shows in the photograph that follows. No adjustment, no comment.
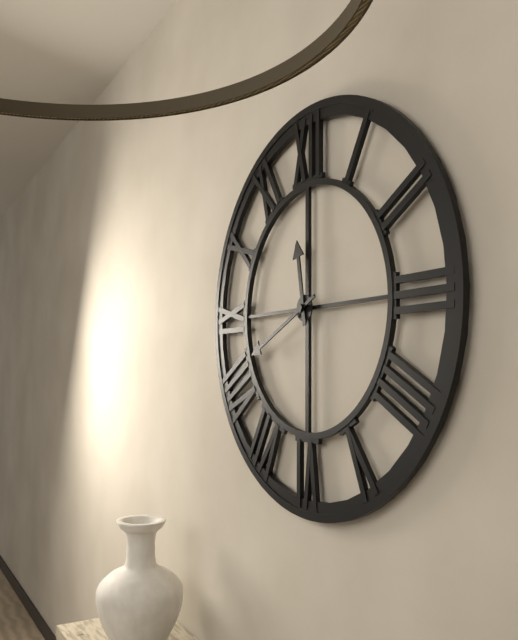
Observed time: 11:41
